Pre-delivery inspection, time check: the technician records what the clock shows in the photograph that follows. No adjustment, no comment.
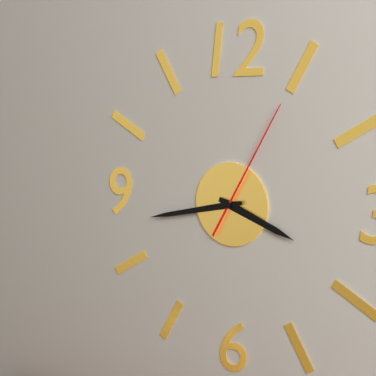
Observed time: 3:43:05
